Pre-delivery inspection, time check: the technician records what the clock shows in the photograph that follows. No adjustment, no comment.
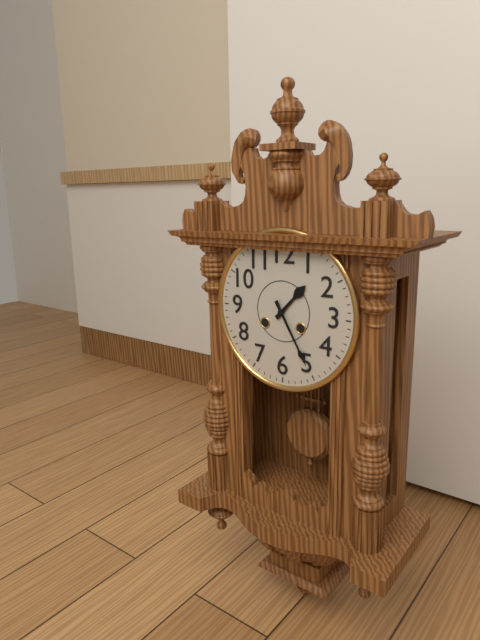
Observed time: 1:25
